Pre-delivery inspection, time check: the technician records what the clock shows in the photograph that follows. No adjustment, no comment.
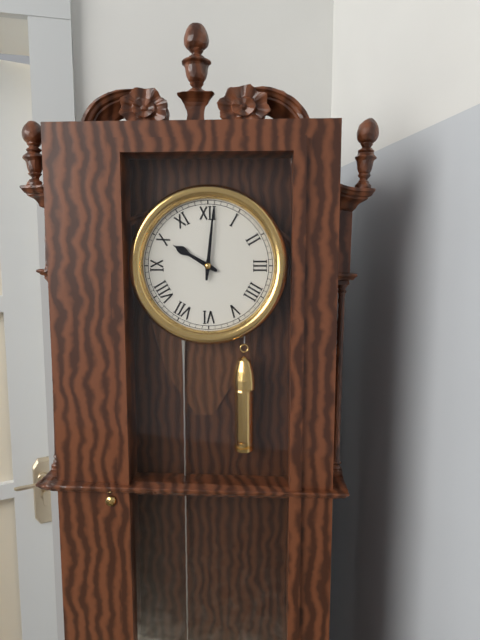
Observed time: 10:01
